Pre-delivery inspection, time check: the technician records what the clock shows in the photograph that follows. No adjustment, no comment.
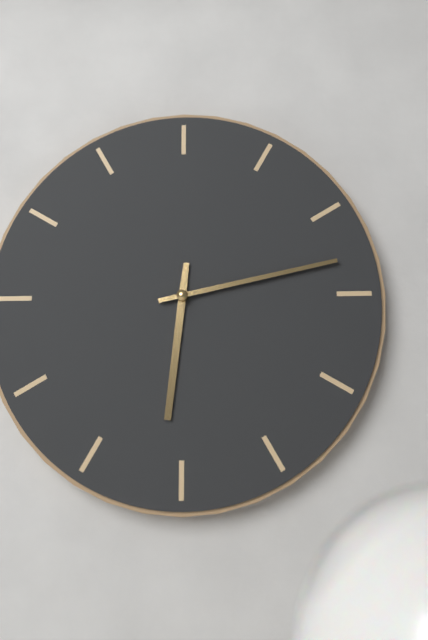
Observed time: 6:13
